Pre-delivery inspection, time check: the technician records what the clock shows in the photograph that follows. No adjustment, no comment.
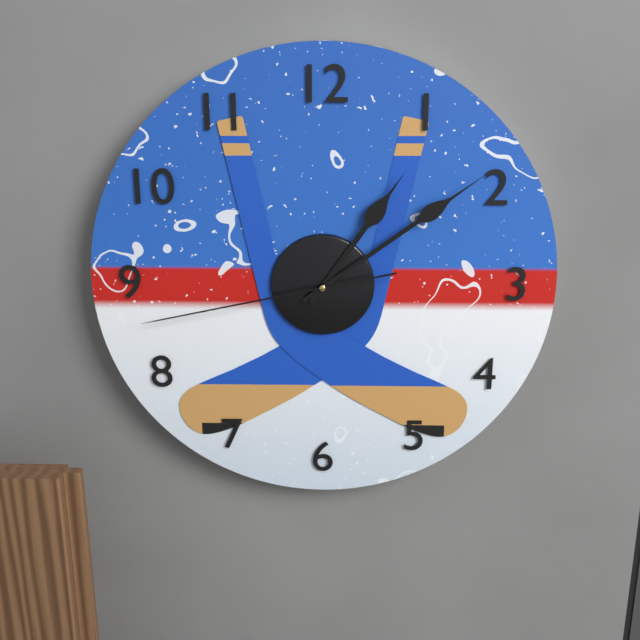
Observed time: 1:09:43
